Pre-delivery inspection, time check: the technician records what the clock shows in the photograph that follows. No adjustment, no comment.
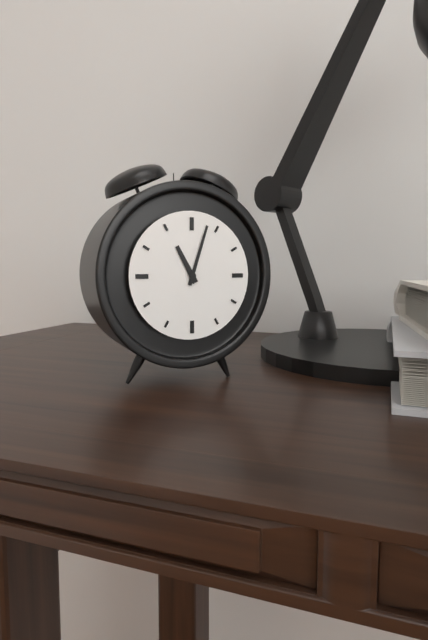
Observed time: 11:03
